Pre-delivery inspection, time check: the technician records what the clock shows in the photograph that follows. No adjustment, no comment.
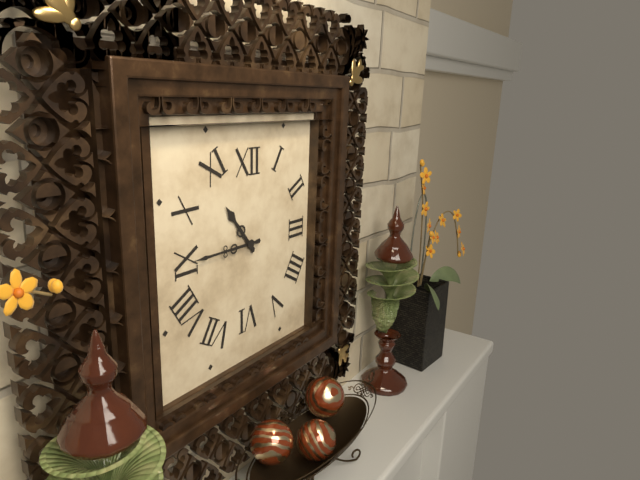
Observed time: 10:45
